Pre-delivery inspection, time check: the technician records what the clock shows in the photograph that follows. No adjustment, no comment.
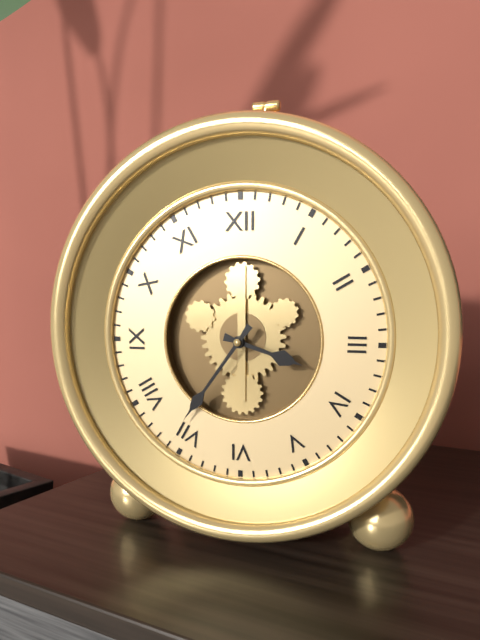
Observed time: 3:36
